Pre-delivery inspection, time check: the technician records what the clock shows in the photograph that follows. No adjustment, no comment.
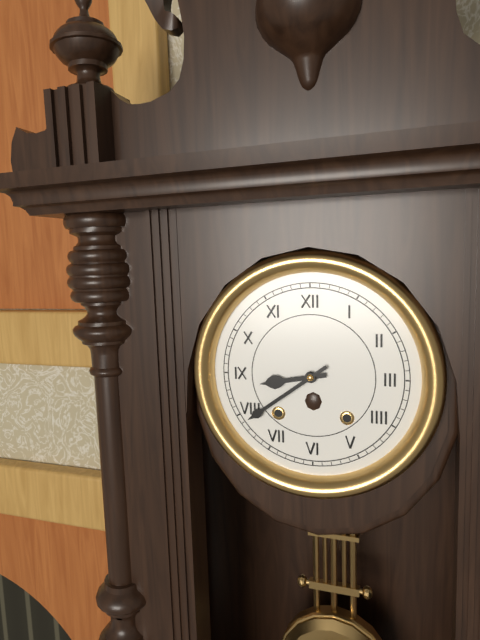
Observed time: 8:39
